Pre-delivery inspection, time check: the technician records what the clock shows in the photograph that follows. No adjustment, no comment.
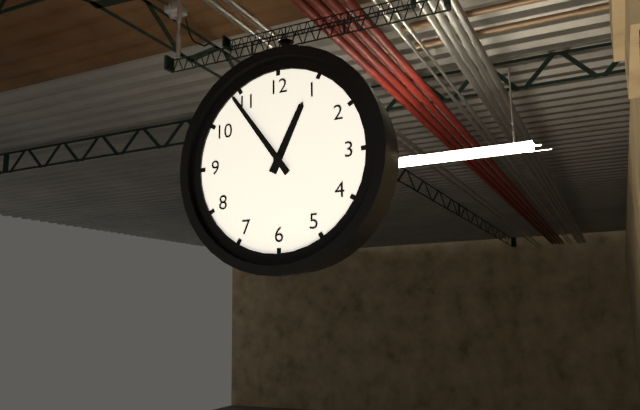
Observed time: 12:54
